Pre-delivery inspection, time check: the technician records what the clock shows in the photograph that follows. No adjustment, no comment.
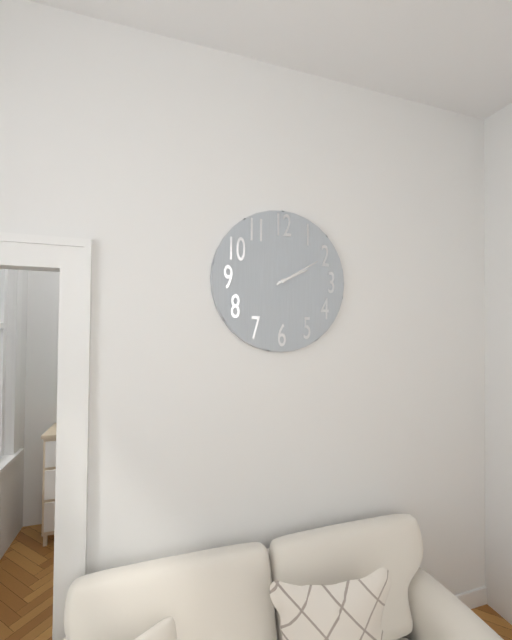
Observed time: 2:10
